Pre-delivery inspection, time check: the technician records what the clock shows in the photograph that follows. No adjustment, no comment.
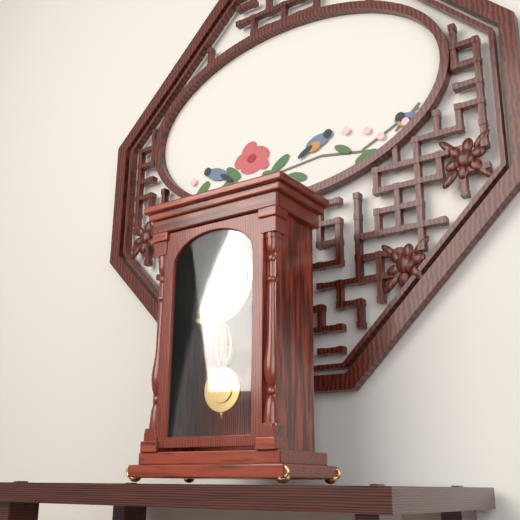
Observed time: 10:32
